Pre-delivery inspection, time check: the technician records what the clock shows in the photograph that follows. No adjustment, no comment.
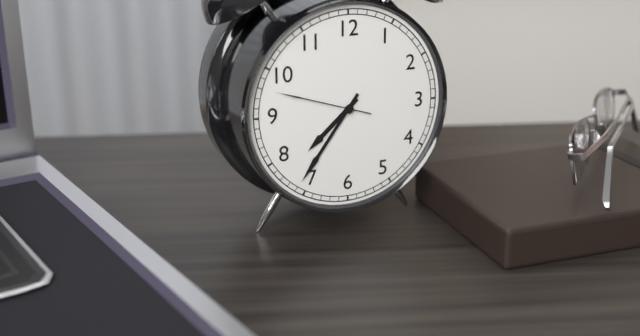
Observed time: 7:36:48
